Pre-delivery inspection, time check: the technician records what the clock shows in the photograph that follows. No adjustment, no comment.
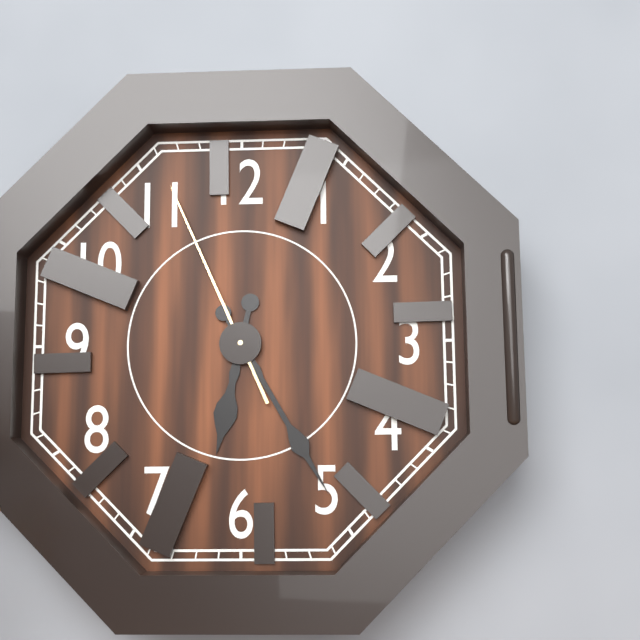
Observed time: 6:25:56
